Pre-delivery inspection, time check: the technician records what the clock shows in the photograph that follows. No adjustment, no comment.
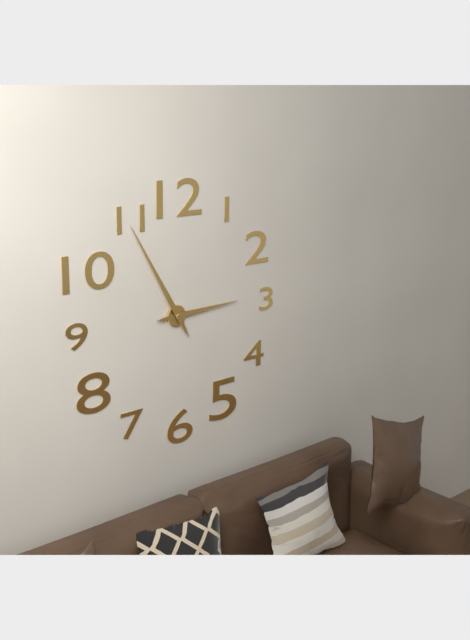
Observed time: 2:55
